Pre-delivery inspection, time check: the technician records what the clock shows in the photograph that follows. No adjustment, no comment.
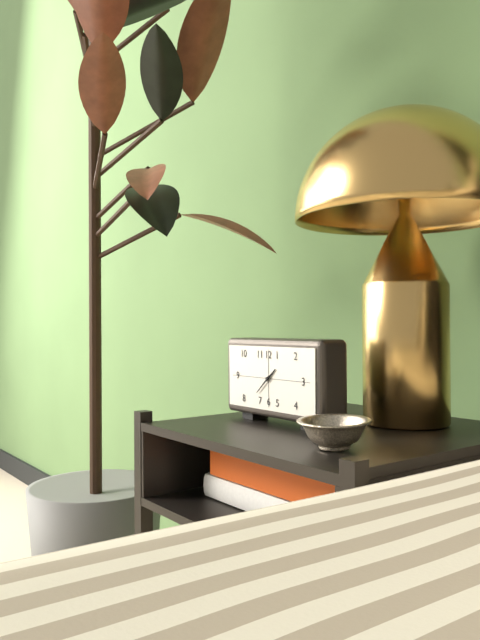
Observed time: 1:38
